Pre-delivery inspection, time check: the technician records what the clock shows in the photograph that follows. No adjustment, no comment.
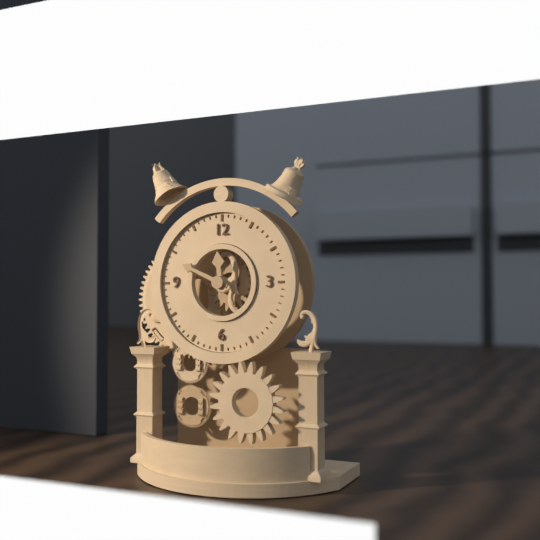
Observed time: 11:49
